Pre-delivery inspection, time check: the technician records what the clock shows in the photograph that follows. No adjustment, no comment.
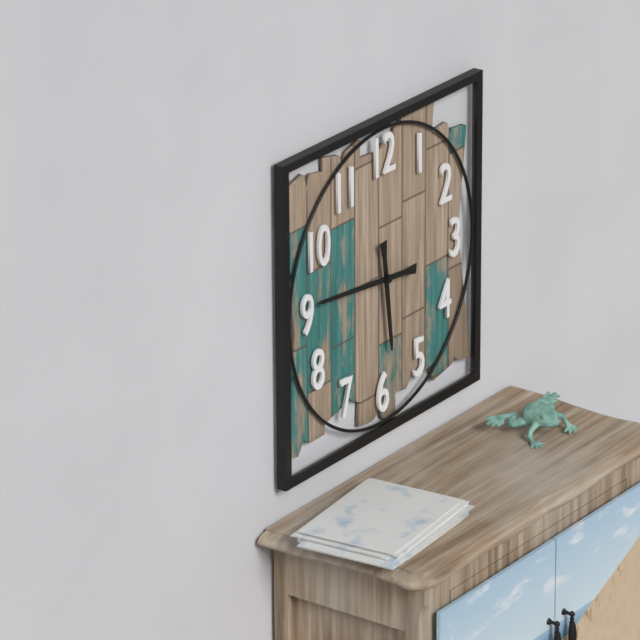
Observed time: 5:46
